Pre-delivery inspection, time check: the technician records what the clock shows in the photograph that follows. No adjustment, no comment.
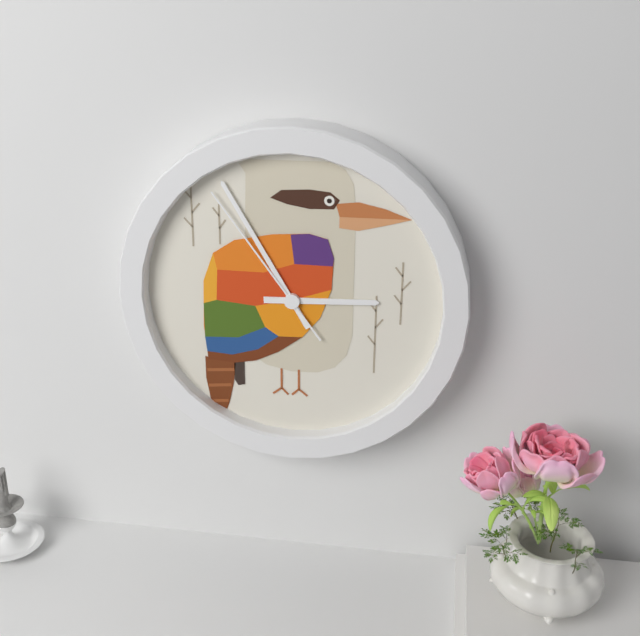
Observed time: 2:55:54
